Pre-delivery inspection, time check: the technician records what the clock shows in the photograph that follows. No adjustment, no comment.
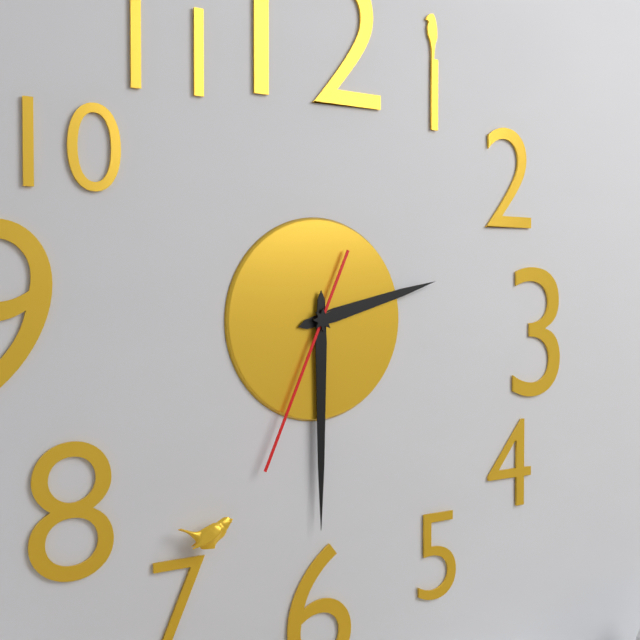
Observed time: 2:30:34
